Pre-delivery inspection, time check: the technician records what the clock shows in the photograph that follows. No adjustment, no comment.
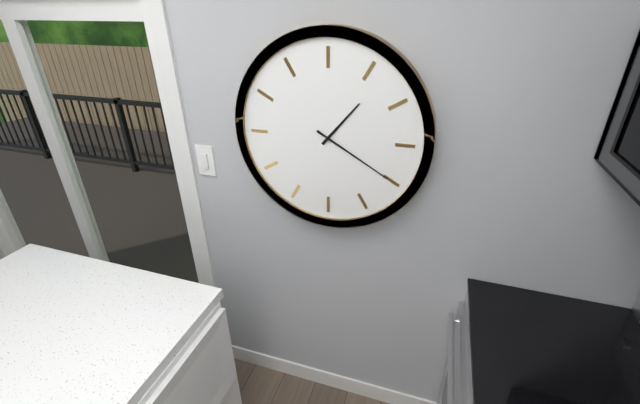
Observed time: 1:20
